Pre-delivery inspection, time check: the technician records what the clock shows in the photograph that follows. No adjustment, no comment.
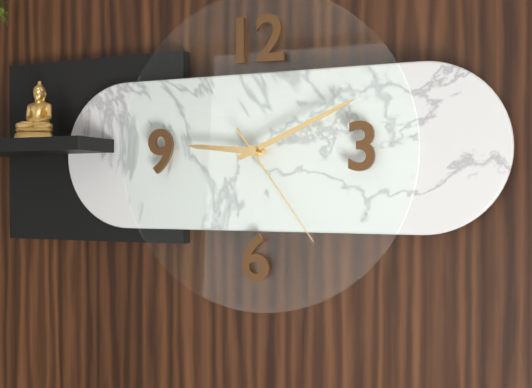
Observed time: 9:11:24
